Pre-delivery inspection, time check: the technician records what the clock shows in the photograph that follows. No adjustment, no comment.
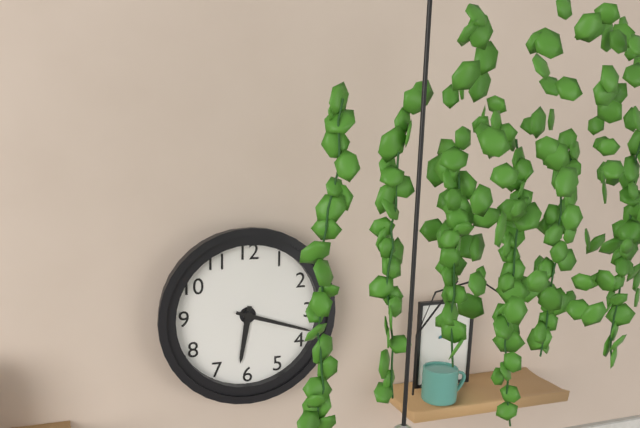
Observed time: 6:18
